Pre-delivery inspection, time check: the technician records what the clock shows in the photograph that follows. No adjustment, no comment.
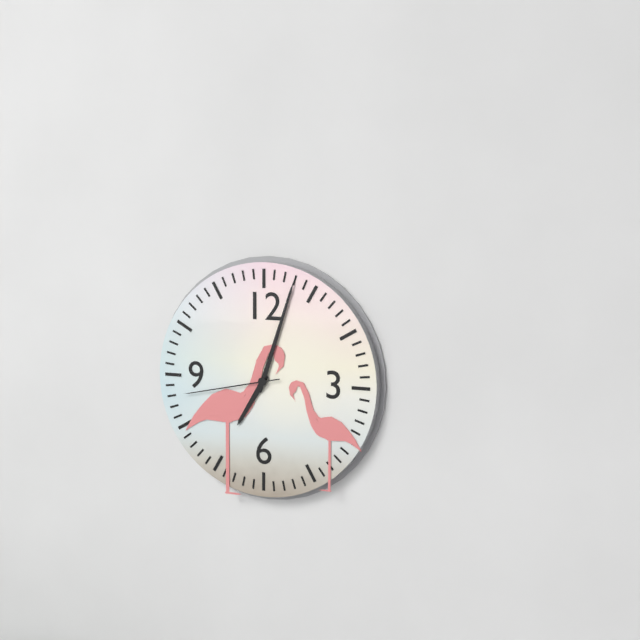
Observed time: 7:03:43
